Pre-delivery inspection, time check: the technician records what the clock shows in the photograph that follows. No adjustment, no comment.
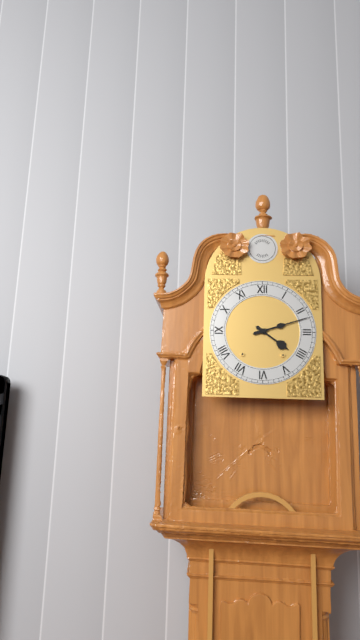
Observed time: 4:12
